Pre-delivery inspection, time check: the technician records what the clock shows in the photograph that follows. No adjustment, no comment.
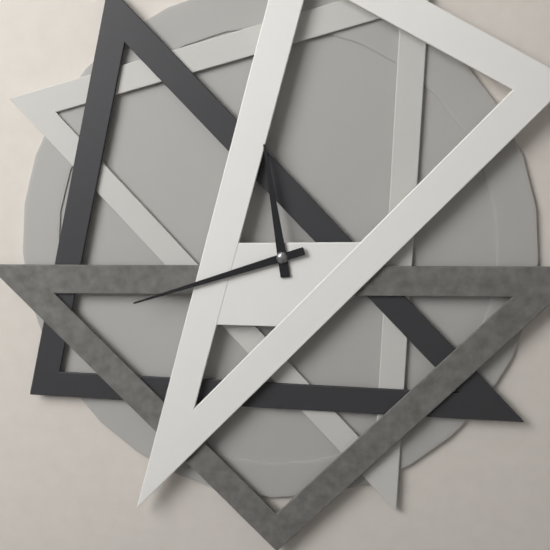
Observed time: 11:42
